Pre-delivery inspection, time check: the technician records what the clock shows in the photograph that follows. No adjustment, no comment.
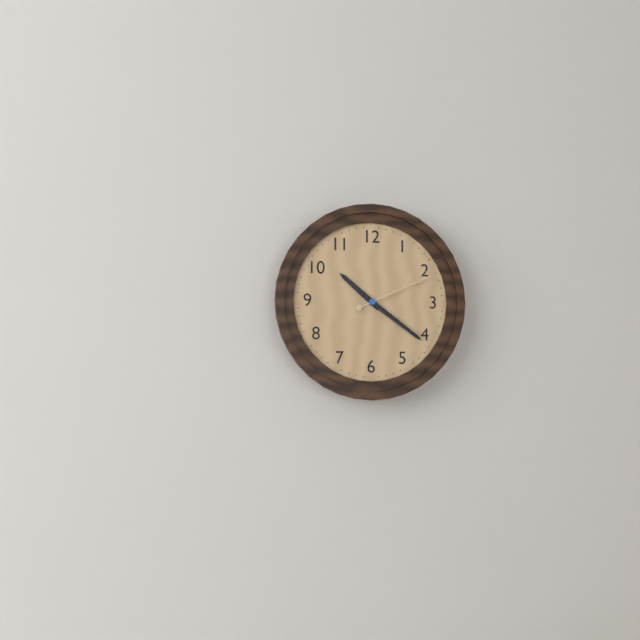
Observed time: 10:21:11
